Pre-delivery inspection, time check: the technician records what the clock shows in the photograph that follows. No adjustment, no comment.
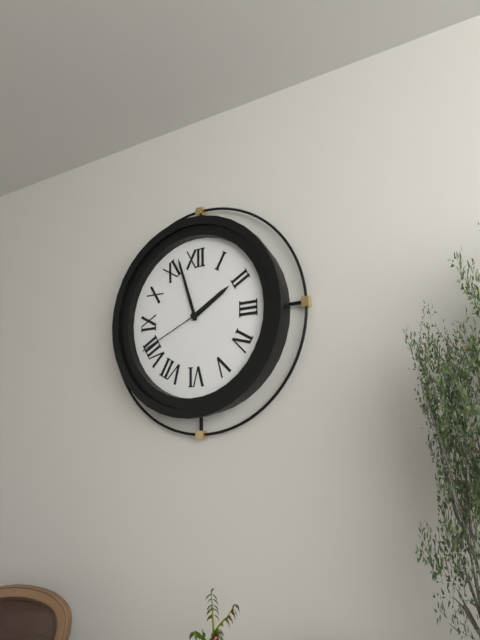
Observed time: 1:57:41
